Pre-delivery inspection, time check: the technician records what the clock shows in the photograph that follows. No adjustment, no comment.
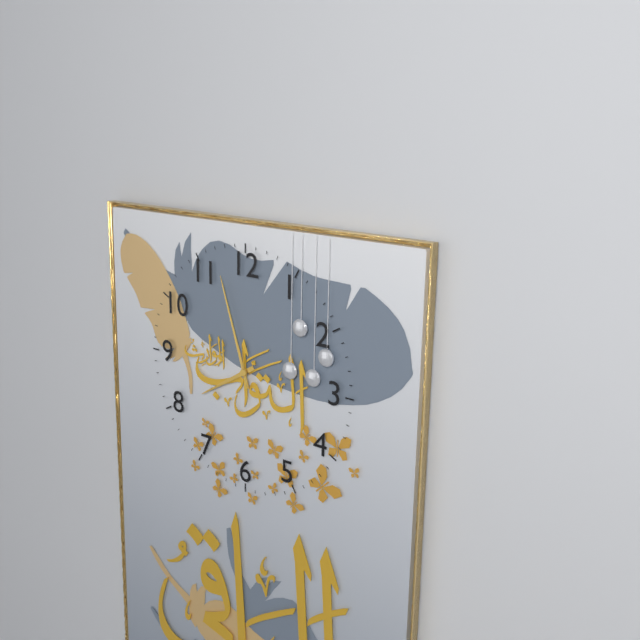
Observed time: 7:57
